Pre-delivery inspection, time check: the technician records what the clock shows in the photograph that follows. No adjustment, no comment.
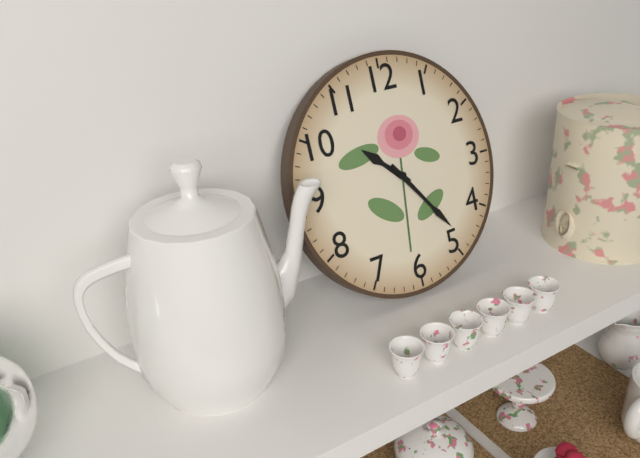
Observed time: 10:24
